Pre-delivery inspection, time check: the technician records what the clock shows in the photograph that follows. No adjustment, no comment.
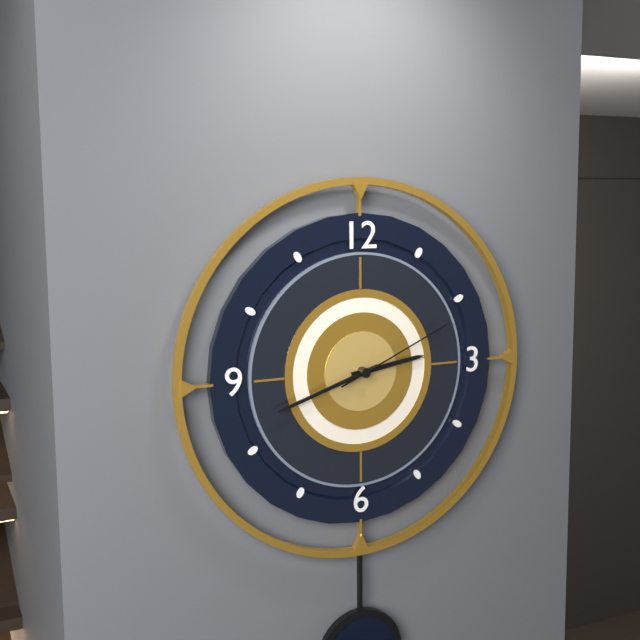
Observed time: 2:42:11
